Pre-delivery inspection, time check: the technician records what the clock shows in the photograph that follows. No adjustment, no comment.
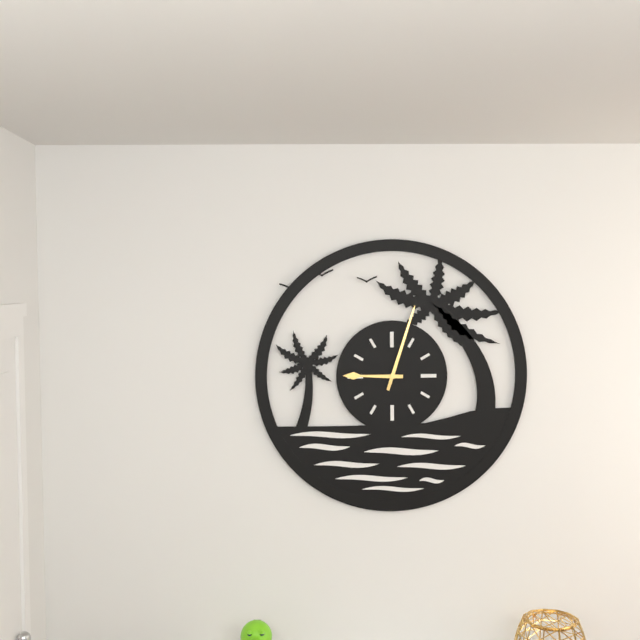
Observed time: 9:03
